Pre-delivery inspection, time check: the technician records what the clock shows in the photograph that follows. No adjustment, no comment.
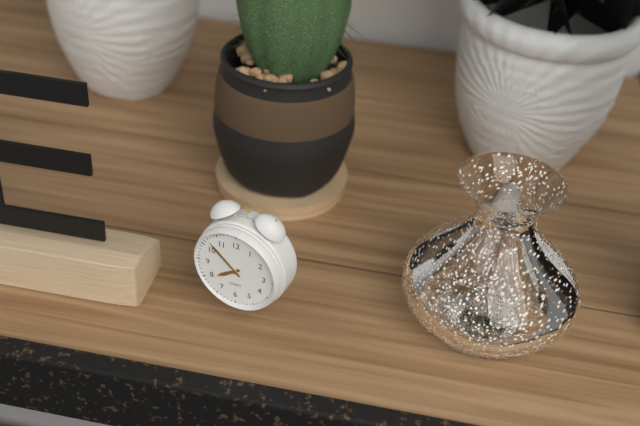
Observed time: 7:52
